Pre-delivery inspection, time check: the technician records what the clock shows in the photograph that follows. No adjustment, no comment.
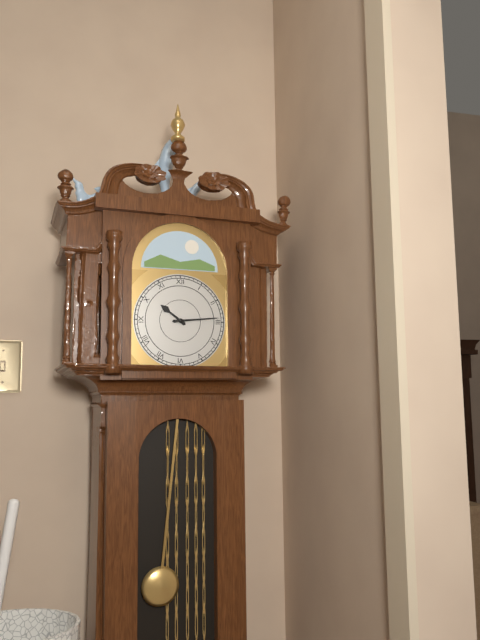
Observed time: 10:14
